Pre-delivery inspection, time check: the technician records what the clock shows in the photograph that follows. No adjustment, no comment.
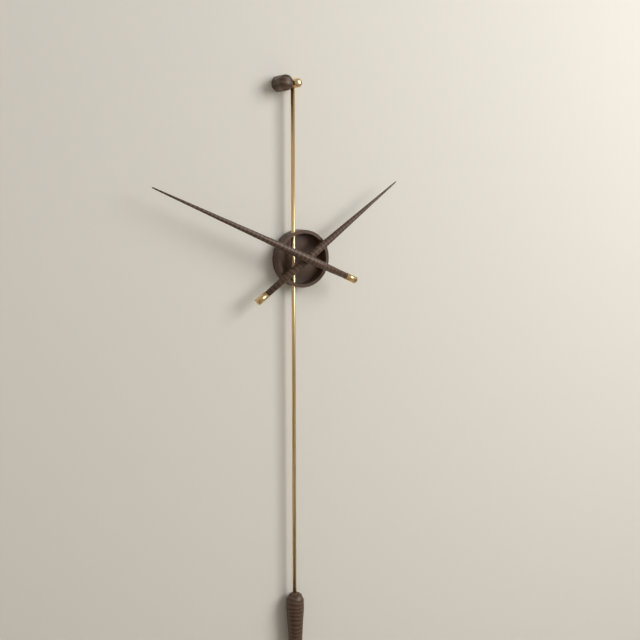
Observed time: 1:49
